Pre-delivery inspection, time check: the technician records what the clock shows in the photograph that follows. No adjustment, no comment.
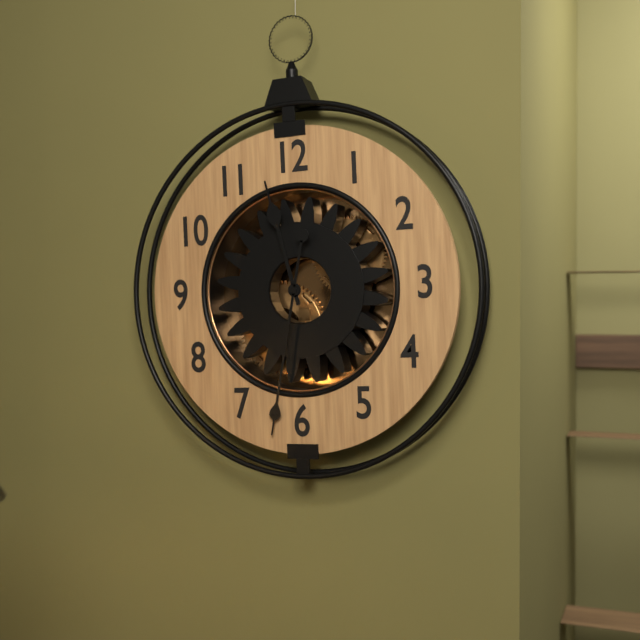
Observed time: 11:32
